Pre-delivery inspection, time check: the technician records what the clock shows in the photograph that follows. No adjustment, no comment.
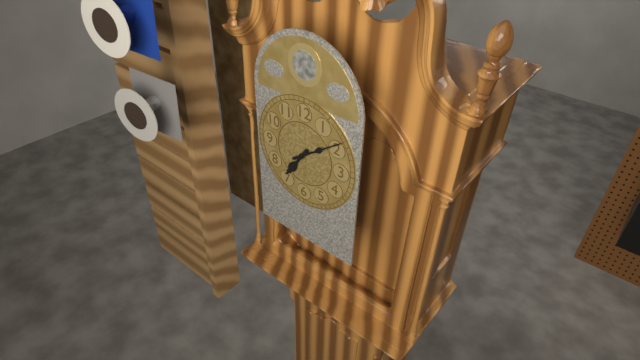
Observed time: 7:09
